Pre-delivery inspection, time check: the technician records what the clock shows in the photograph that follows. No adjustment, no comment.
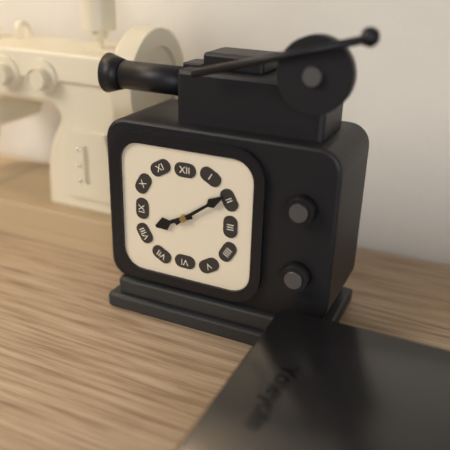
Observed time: 8:09
